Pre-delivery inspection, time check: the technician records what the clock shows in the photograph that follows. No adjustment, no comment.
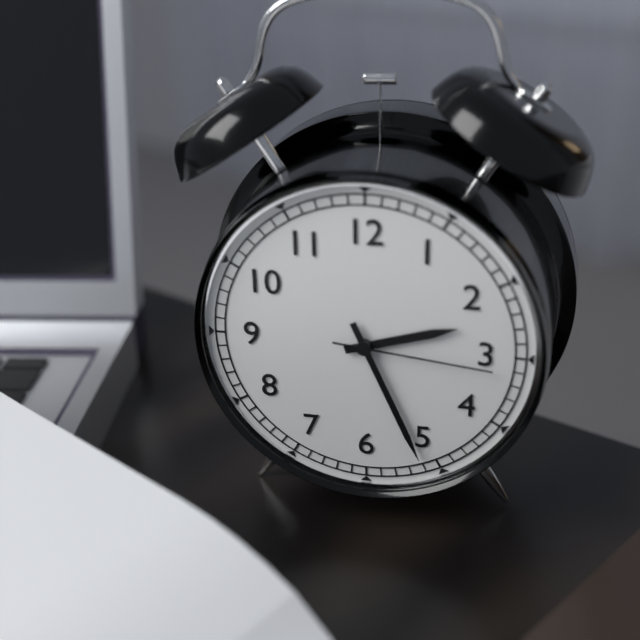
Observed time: 2:26:16
